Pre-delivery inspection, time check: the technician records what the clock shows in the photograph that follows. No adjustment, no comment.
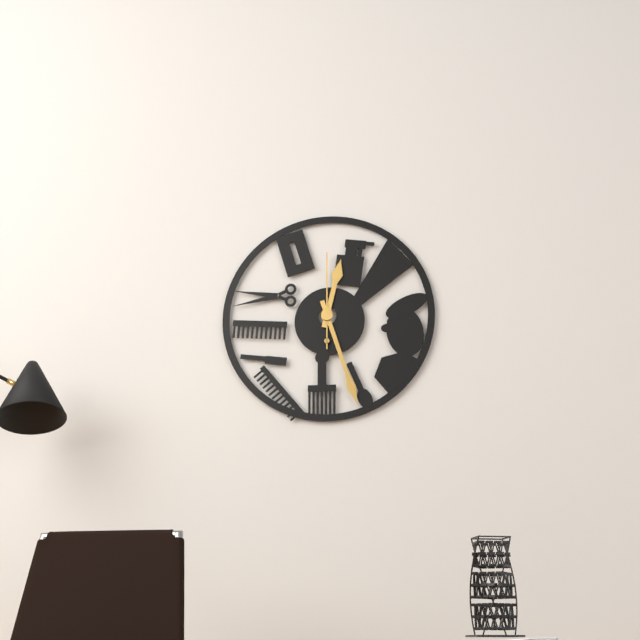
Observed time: 12:27:00
